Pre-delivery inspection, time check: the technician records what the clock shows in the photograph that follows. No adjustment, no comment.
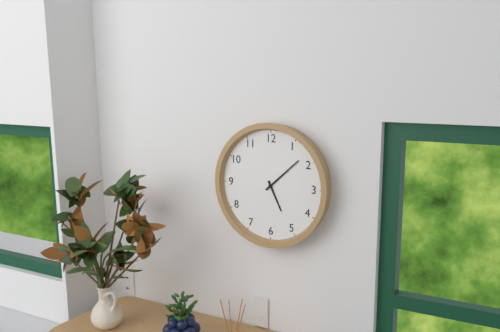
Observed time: 5:08
